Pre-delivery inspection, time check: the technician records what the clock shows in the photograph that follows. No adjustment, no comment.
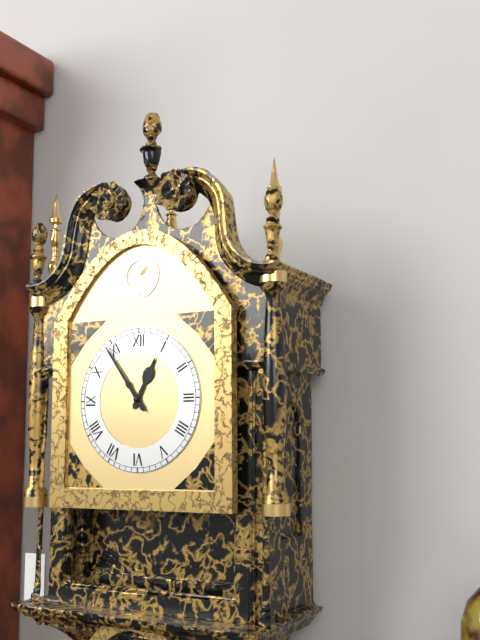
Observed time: 12:54
